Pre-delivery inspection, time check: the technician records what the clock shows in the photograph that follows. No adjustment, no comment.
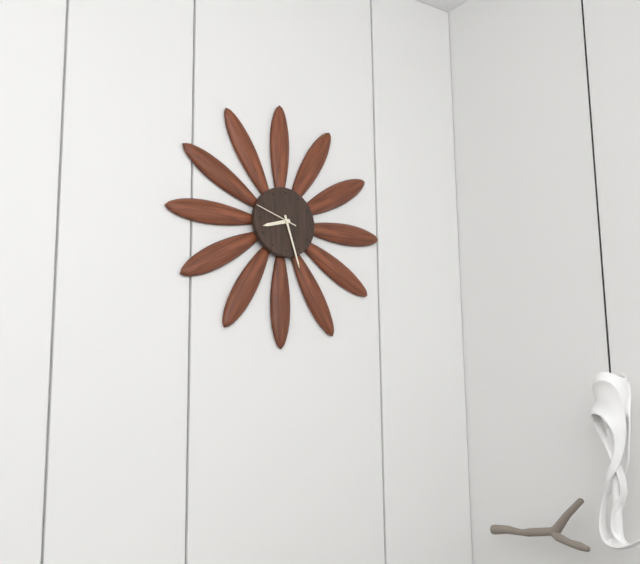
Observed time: 8:27
